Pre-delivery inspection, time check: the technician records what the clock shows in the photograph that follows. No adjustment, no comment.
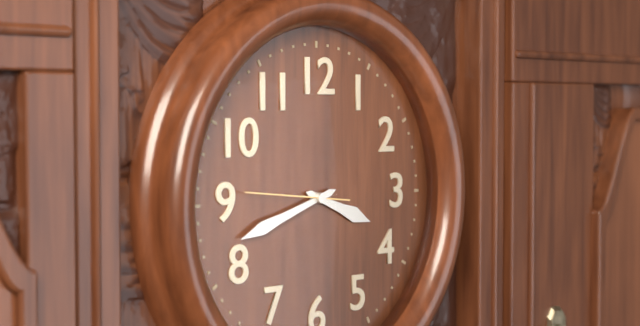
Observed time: 3:42:46
